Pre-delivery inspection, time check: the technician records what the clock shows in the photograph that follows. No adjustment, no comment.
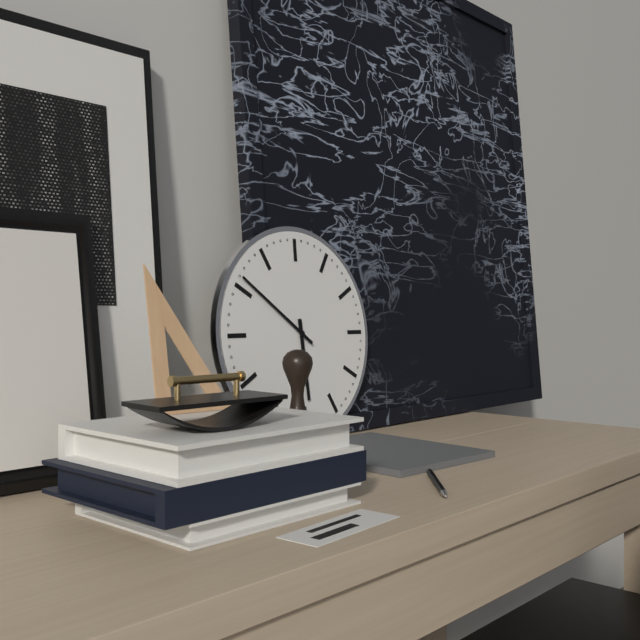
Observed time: 5:51
